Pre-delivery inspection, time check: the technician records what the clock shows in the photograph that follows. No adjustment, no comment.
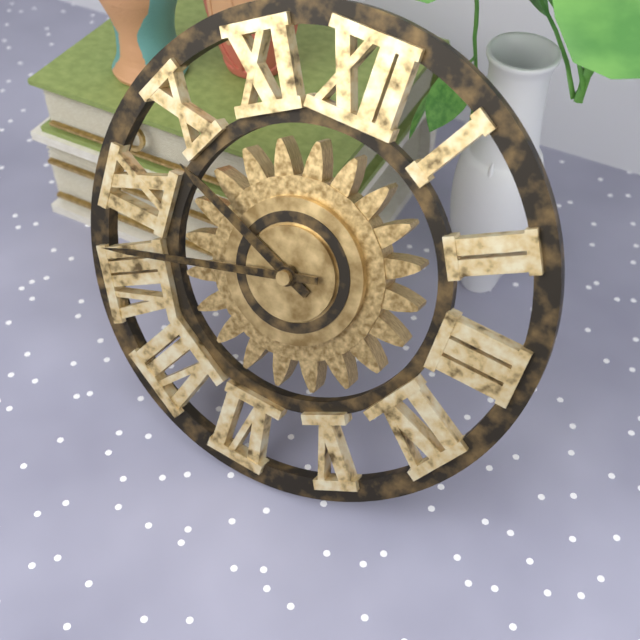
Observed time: 9:42
